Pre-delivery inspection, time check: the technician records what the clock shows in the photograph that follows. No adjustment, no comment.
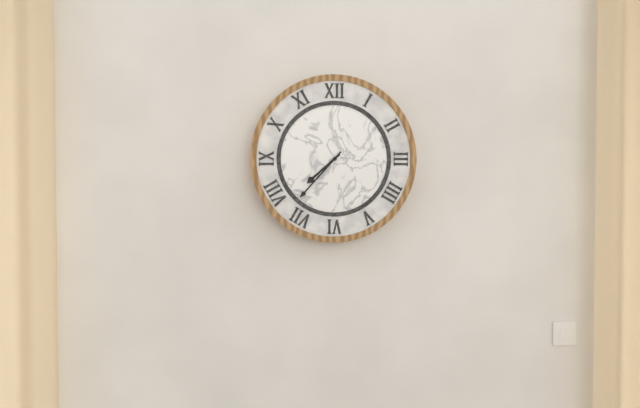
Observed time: 7:37
